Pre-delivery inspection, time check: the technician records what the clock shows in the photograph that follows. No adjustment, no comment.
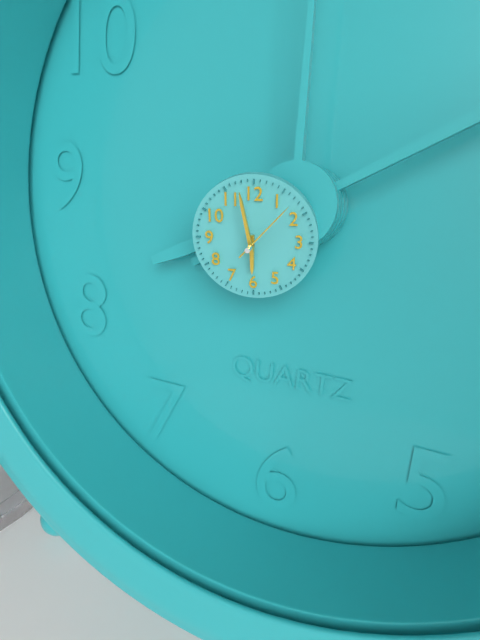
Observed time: 5:58:07
